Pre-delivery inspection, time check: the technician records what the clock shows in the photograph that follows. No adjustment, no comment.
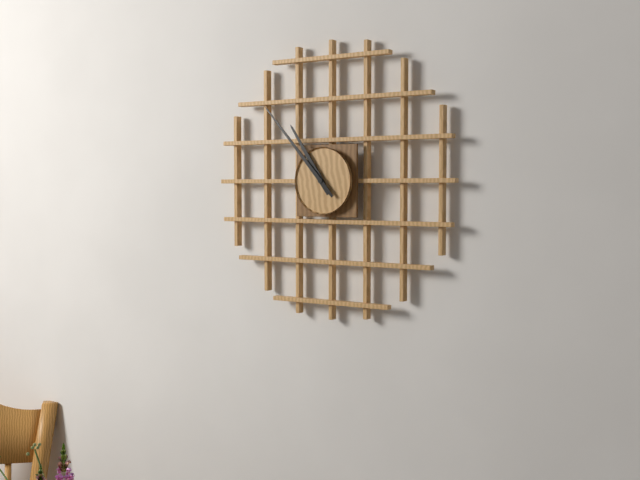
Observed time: 10:53
